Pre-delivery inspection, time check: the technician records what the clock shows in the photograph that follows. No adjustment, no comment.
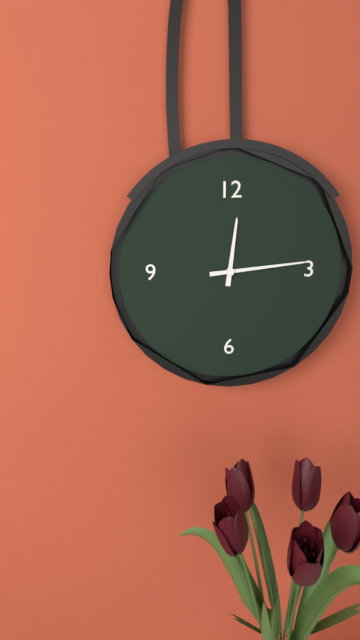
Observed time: 12:14
